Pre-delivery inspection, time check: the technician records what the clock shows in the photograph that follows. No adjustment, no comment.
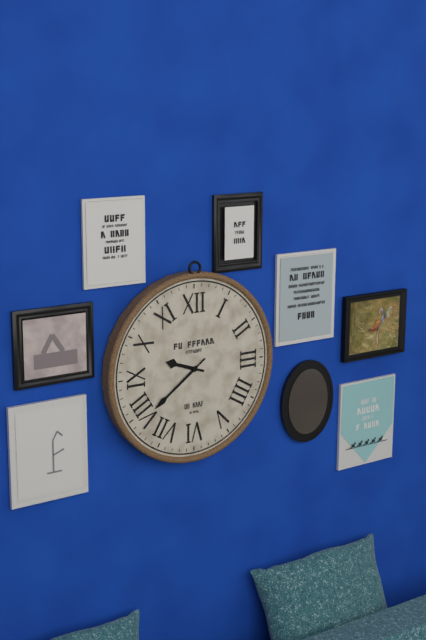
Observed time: 9:39
